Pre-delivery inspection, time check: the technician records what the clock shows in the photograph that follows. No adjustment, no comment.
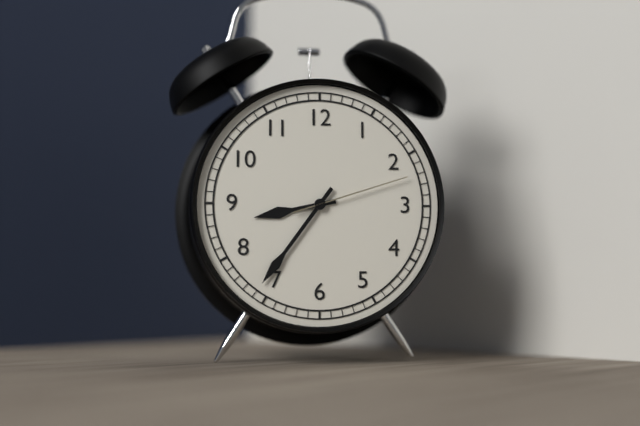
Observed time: 8:36:12
